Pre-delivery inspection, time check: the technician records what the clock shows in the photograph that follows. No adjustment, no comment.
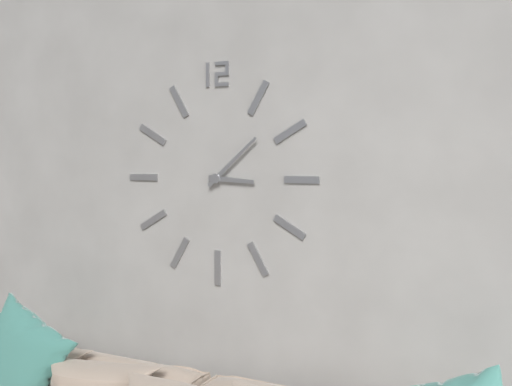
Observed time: 3:08
